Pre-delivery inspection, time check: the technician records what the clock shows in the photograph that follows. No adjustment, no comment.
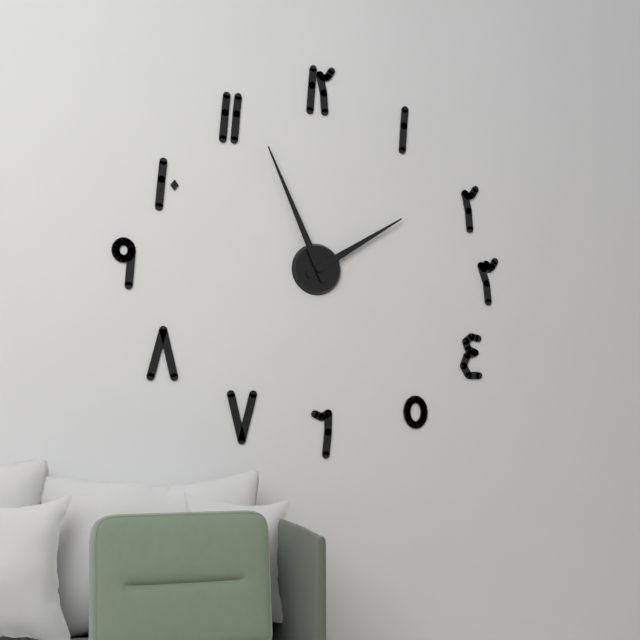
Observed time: 1:56
